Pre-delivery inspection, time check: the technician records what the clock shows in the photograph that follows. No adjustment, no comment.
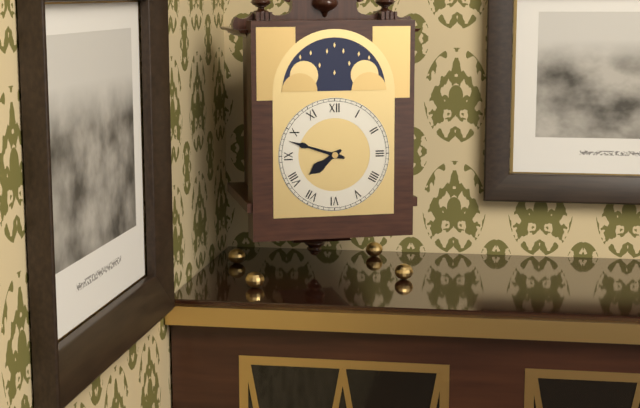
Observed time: 7:48
